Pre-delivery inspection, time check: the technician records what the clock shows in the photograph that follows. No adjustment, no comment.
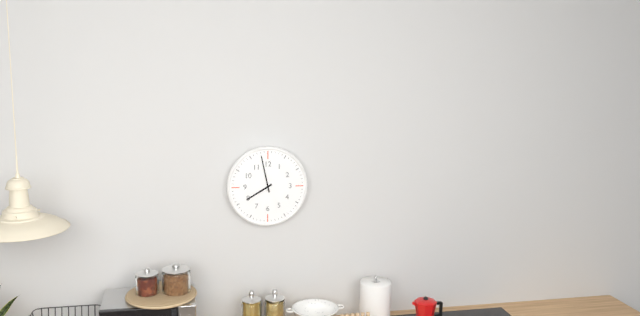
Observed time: 7:58
